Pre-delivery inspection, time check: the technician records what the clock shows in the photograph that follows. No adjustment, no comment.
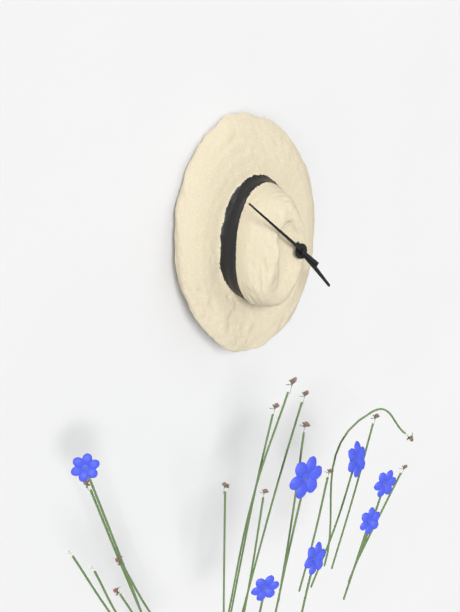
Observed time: 4:53
